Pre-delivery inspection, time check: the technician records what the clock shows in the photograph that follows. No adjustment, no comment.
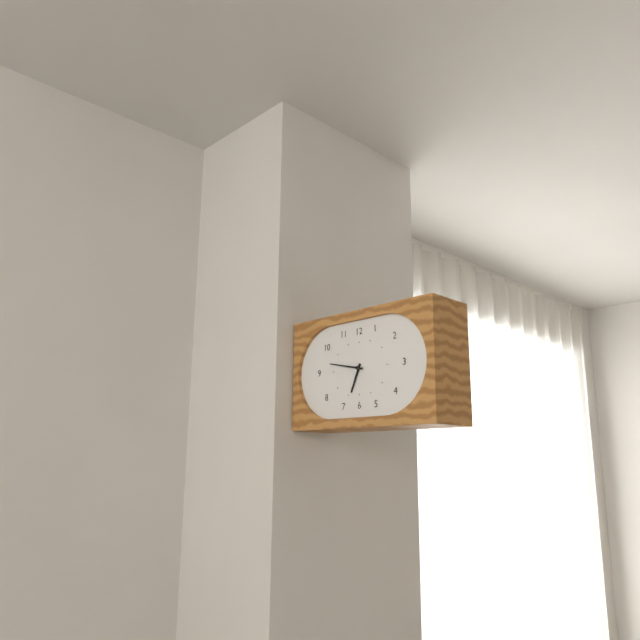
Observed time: 6:47
